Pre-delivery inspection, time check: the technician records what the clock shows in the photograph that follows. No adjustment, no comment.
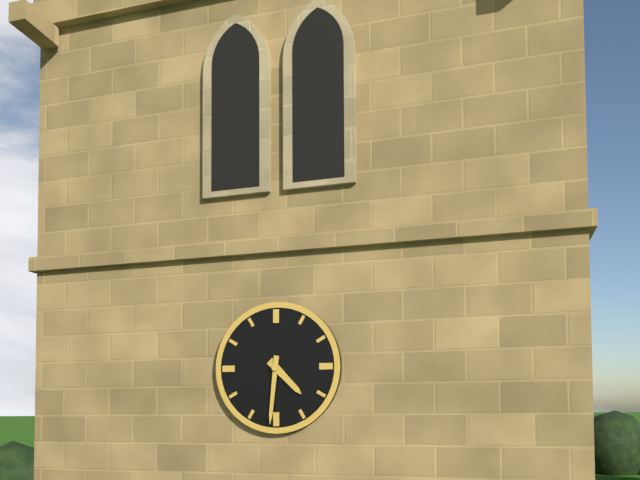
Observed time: 4:31
